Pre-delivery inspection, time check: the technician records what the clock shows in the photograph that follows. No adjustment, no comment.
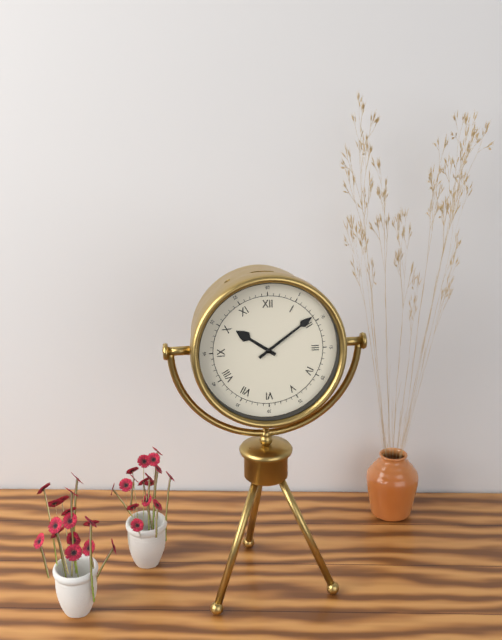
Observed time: 10:09
